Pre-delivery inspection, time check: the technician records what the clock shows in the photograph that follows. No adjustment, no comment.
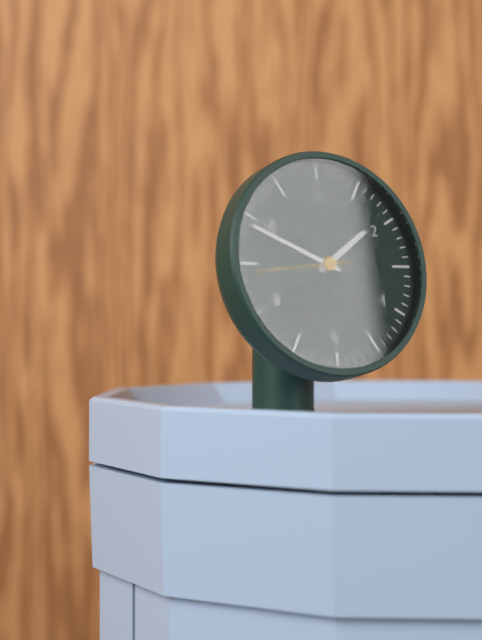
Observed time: 1:49:44
